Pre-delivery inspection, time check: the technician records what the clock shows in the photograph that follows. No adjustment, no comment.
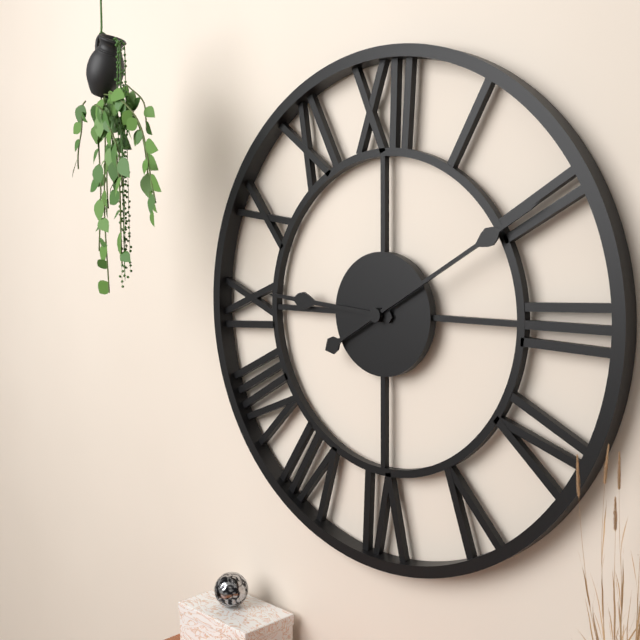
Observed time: 9:10
